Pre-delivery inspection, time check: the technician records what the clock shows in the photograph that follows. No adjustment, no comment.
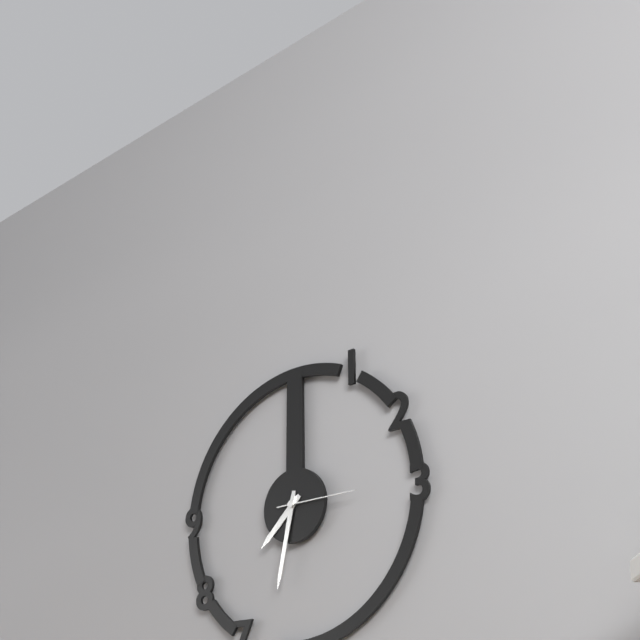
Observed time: 7:32:15
